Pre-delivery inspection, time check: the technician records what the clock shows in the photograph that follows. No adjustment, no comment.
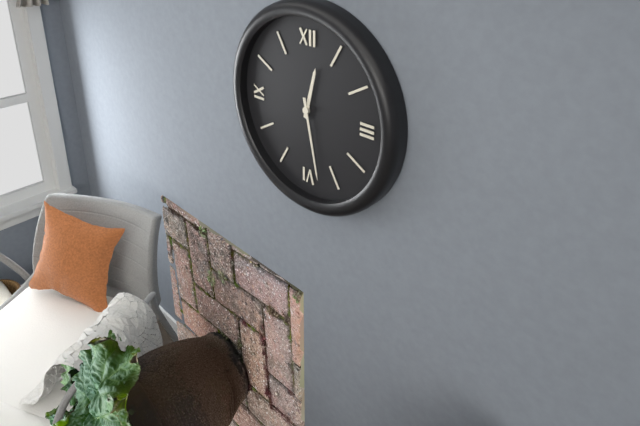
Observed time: 12:28
